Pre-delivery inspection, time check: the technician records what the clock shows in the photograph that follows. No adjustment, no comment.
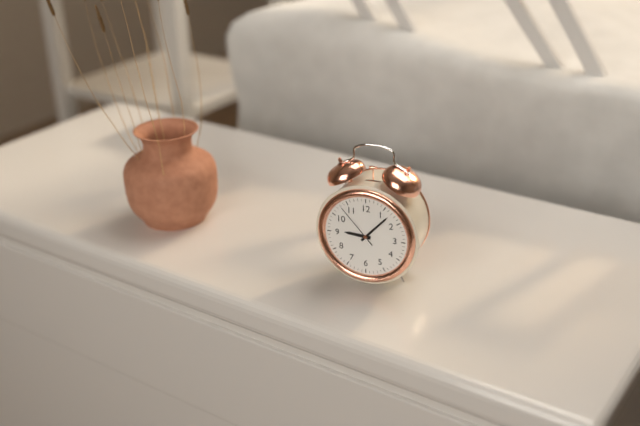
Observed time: 9:07
